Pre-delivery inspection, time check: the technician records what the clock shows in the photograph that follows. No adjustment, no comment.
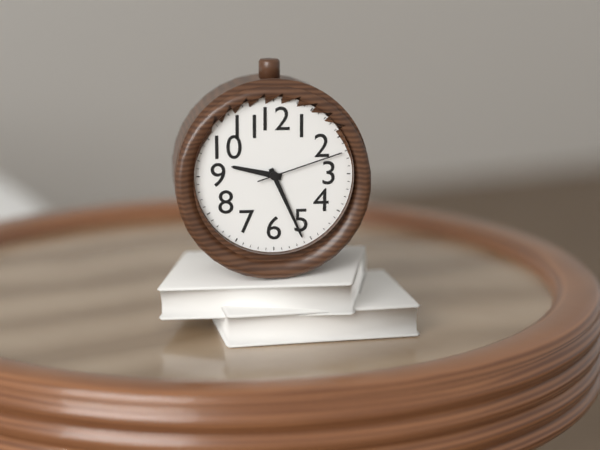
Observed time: 9:26:12
